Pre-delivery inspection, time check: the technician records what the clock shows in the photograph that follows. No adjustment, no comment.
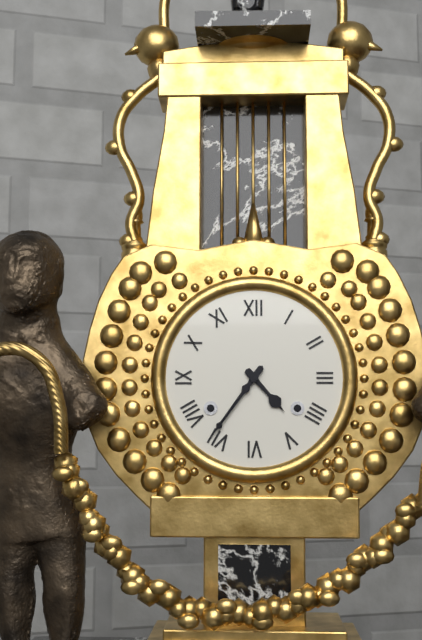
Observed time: 4:36
